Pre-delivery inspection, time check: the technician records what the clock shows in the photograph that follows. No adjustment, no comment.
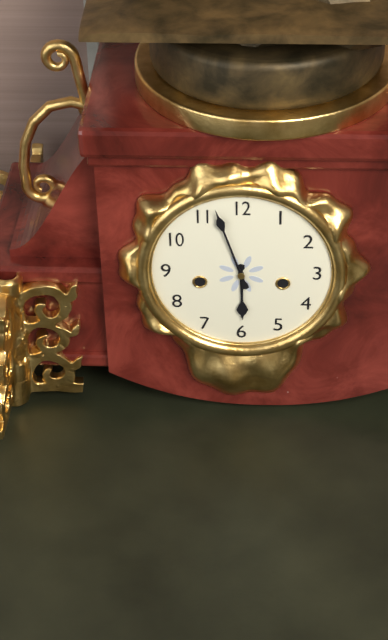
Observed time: 5:57
